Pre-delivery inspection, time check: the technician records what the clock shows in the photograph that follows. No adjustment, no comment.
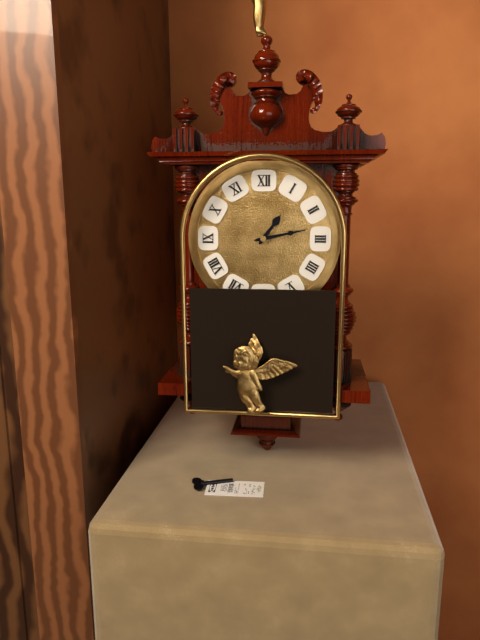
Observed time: 1:13
